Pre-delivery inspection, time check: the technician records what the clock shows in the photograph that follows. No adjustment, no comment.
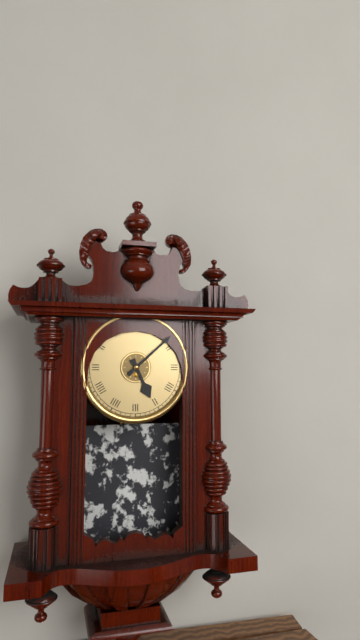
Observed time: 5:08
